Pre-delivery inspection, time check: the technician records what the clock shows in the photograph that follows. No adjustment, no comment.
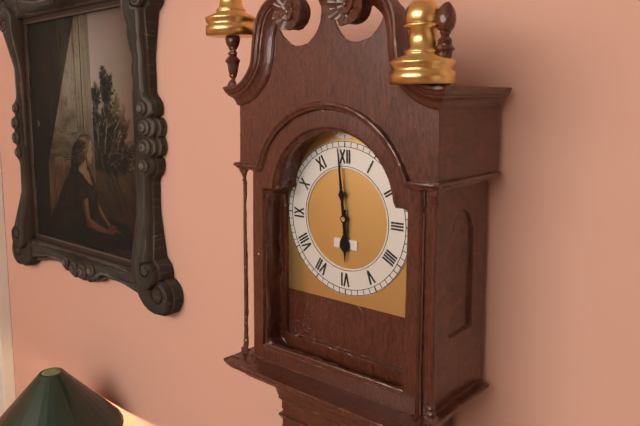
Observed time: 5:59
